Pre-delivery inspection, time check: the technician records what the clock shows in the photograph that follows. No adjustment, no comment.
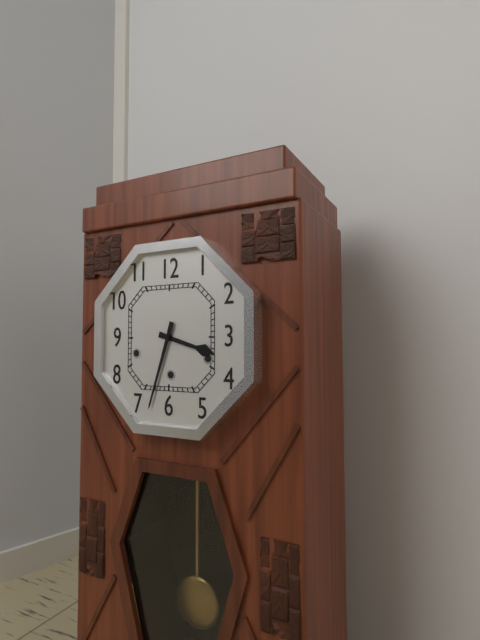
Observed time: 3:33
